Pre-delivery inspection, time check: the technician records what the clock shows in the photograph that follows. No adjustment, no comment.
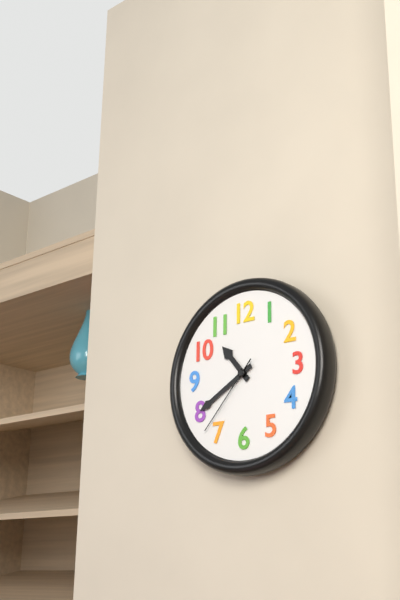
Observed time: 10:40:37
